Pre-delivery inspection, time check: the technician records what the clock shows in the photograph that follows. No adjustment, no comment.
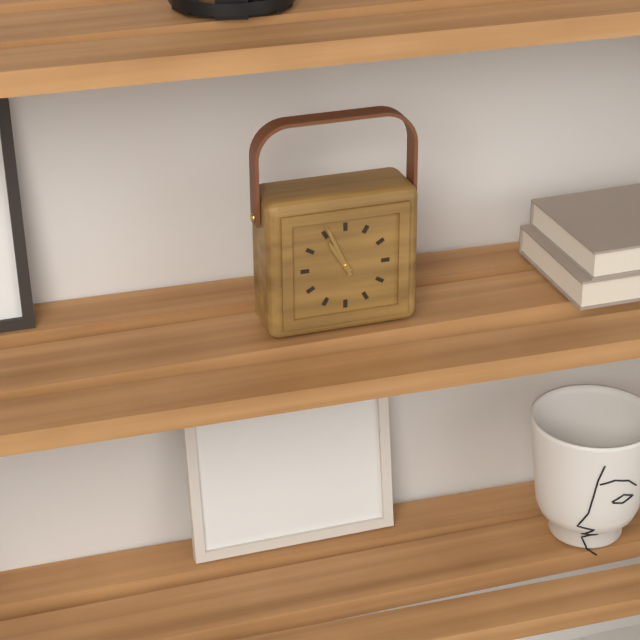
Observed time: 10:56
